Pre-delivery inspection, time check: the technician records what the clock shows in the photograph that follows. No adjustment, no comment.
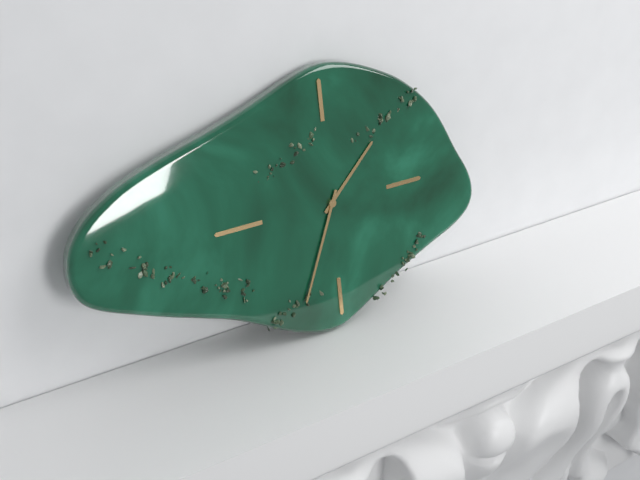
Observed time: 1:34
